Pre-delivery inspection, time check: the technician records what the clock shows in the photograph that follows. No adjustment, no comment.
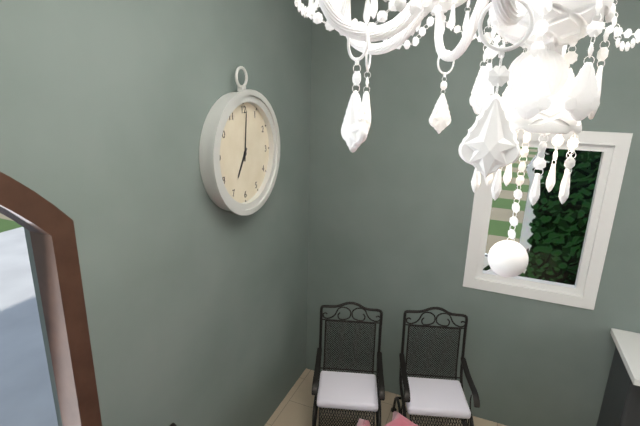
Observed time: 7:01
